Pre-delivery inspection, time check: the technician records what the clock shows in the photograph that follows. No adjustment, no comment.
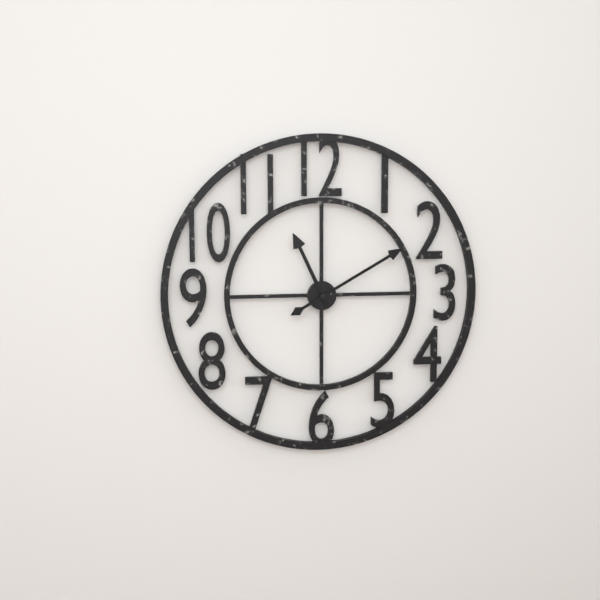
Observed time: 11:10
